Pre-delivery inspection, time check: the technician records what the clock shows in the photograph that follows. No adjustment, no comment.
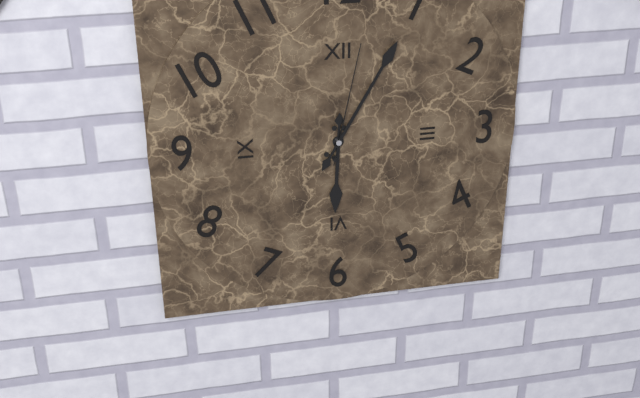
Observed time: 6:05:02
